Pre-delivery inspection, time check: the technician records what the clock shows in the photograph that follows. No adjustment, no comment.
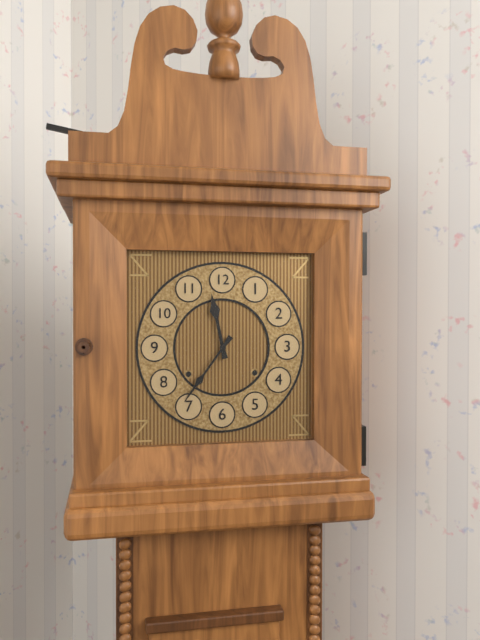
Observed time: 11:36
